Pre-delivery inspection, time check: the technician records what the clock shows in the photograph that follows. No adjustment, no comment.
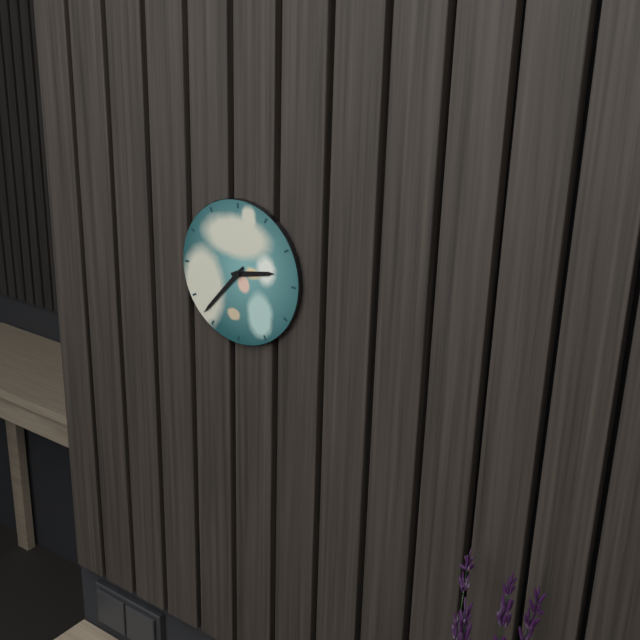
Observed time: 2:37
